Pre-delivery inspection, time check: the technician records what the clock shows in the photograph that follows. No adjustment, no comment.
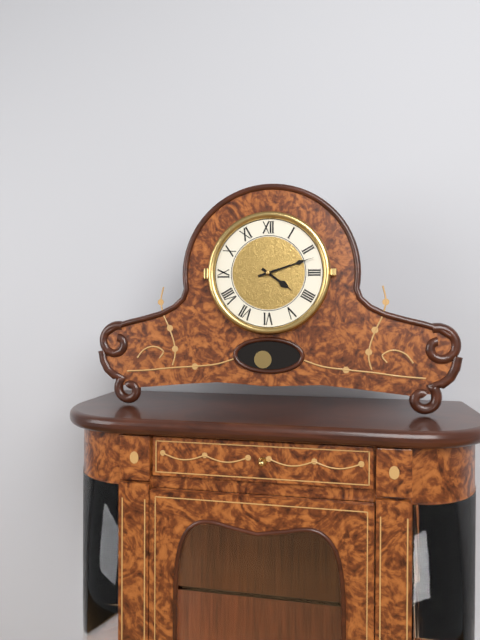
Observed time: 4:12
